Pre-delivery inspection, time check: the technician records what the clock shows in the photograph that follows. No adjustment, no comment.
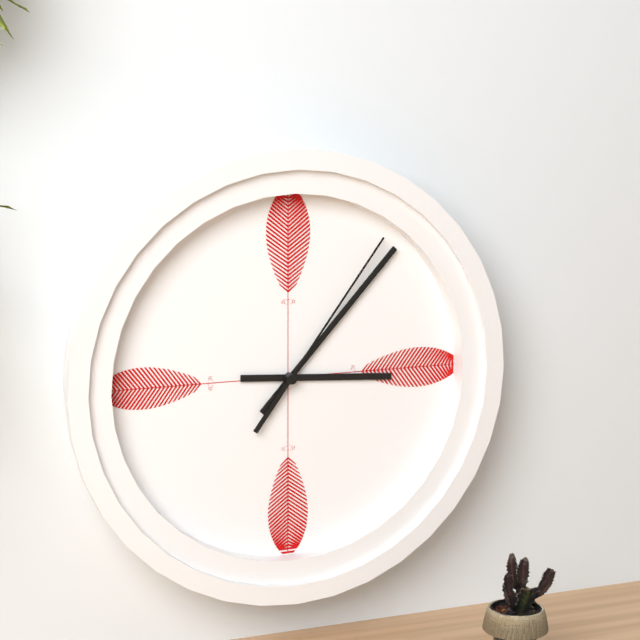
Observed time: 3:07:06
